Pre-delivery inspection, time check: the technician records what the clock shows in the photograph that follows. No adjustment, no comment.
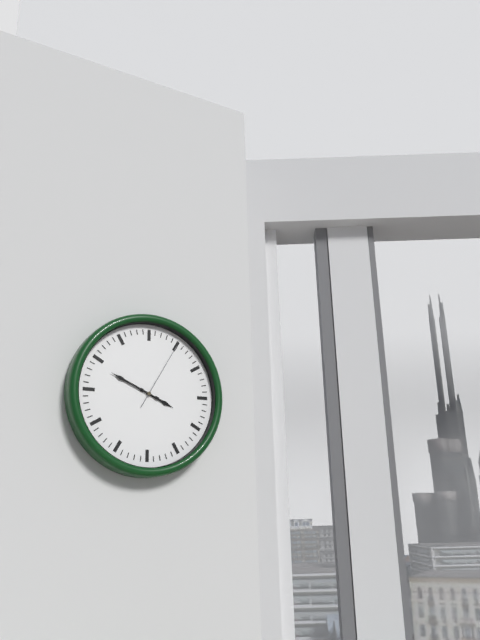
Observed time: 3:49:05
